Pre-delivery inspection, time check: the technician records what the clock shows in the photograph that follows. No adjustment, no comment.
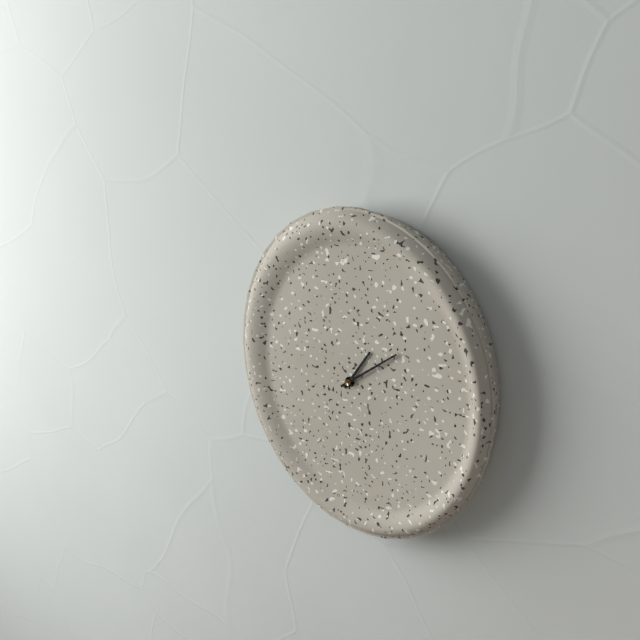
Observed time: 1:09
